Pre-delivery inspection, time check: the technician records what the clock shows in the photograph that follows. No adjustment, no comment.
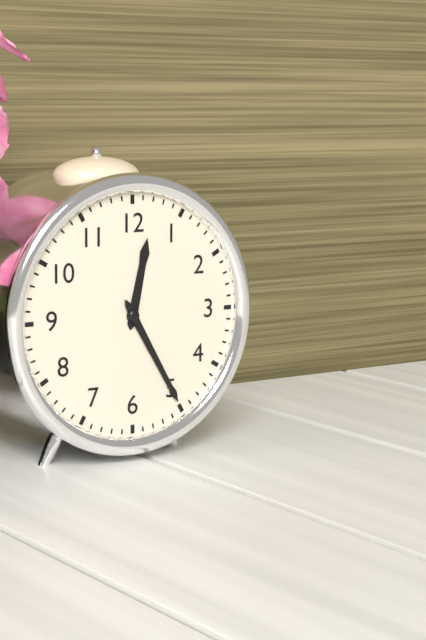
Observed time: 12:25
